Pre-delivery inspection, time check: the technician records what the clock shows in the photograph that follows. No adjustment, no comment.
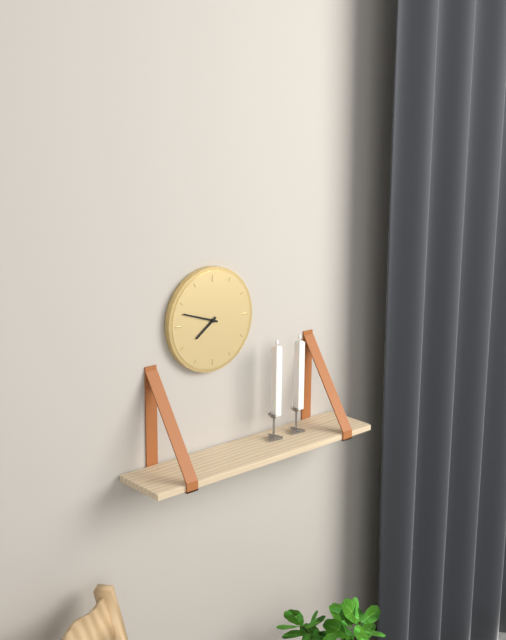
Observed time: 7:48
